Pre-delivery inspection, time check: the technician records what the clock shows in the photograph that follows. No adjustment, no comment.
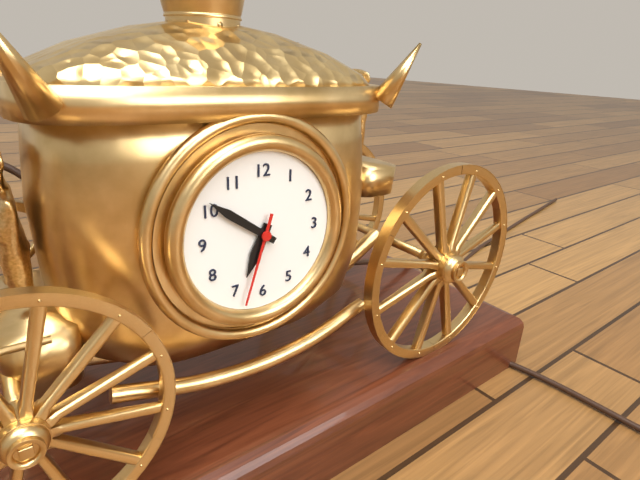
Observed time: 6:51:33
